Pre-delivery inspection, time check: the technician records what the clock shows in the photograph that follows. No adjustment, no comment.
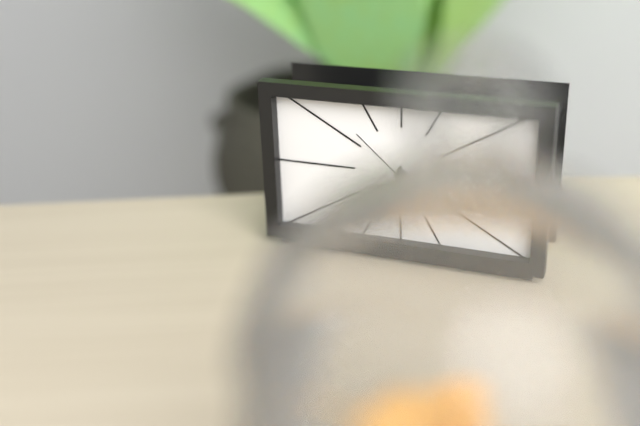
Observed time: 5:30:52
